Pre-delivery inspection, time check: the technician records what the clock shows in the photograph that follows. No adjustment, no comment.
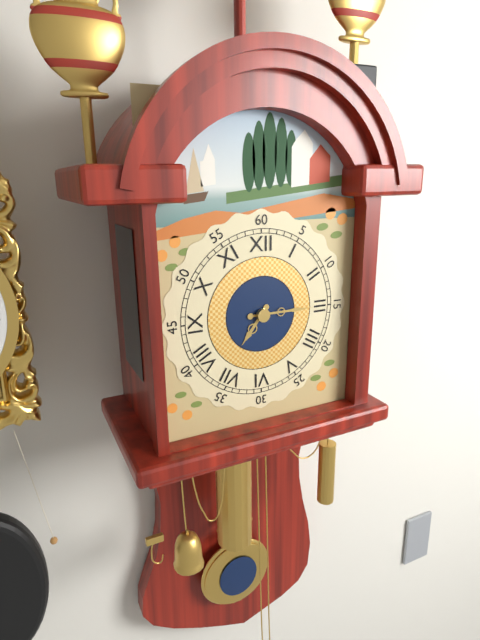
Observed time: 7:15
